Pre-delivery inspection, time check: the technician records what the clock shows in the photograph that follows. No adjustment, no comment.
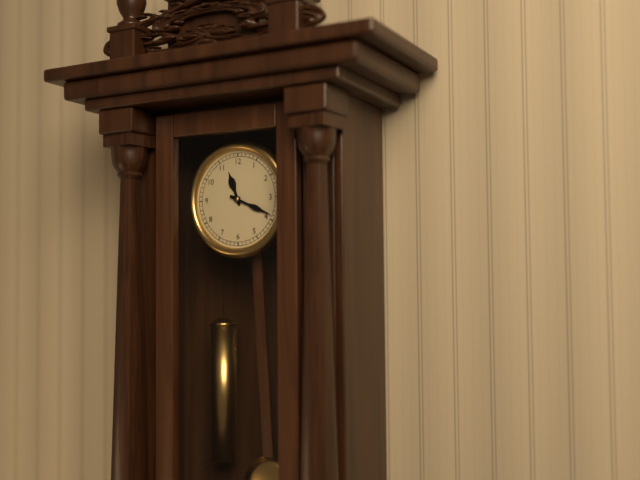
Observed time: 11:19
